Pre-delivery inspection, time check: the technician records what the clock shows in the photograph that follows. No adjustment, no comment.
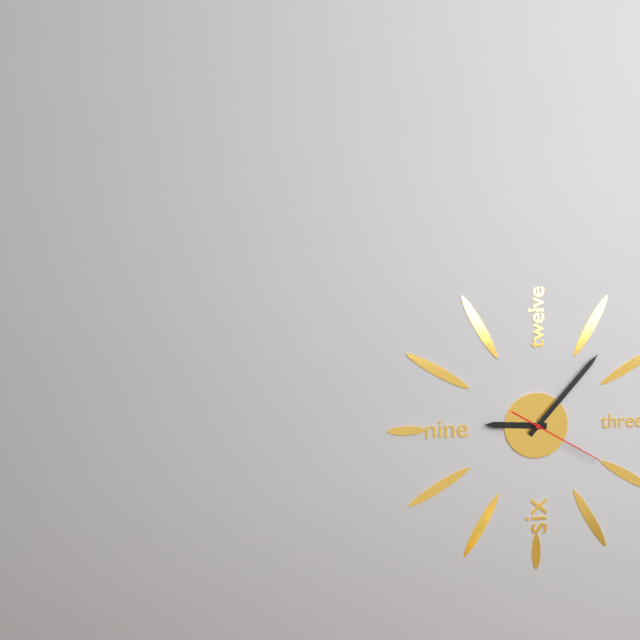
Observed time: 9:07:20
